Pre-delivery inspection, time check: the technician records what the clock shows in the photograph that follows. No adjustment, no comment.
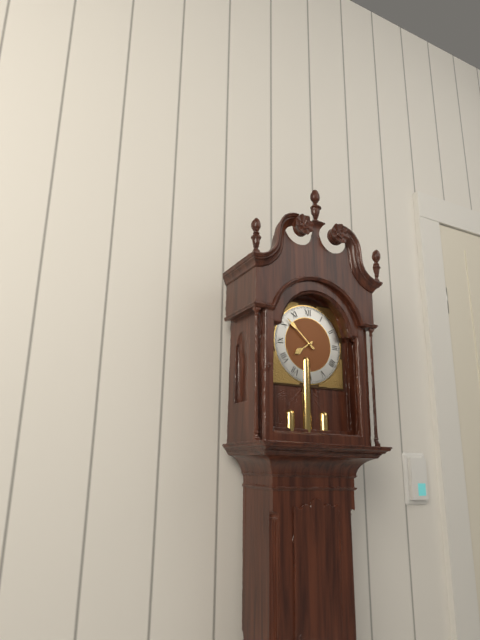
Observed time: 7:52
